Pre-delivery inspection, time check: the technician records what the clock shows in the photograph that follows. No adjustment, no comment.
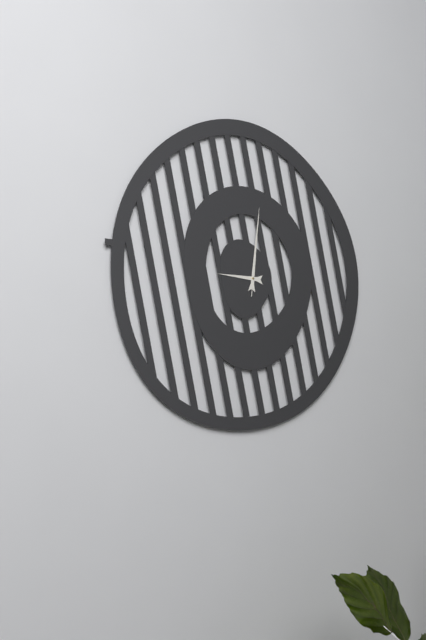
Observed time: 9:01:01
